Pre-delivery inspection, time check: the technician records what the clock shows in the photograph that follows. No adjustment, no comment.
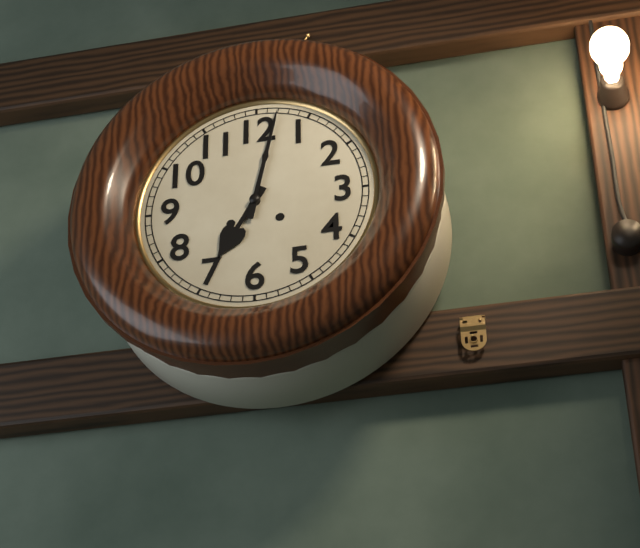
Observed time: 7:02
